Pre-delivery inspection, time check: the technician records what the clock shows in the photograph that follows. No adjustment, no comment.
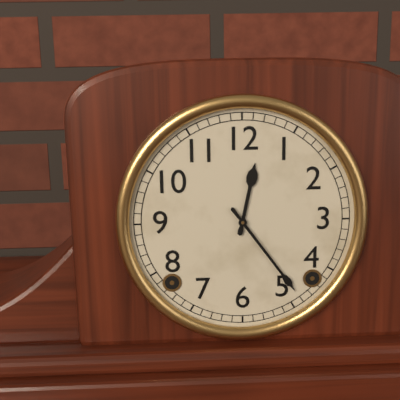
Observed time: 12:24
